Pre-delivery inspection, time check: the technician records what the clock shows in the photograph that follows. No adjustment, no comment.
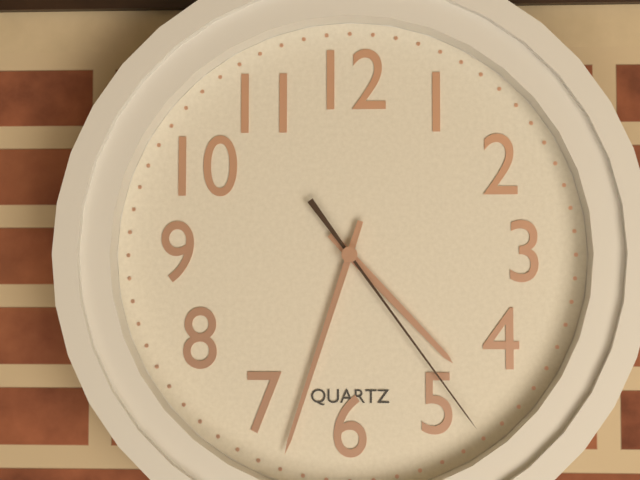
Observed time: 4:33:24
